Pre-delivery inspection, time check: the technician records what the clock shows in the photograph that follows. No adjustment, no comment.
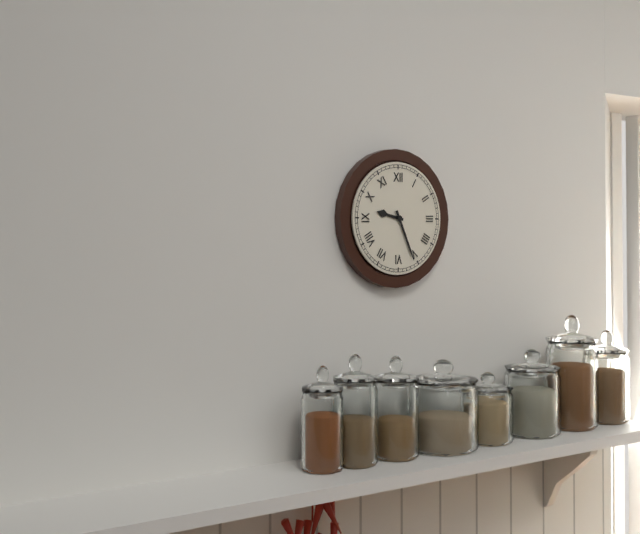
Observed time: 9:26
